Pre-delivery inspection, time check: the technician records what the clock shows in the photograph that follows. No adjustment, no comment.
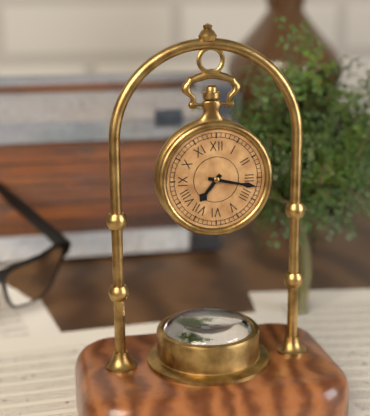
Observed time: 7:17
